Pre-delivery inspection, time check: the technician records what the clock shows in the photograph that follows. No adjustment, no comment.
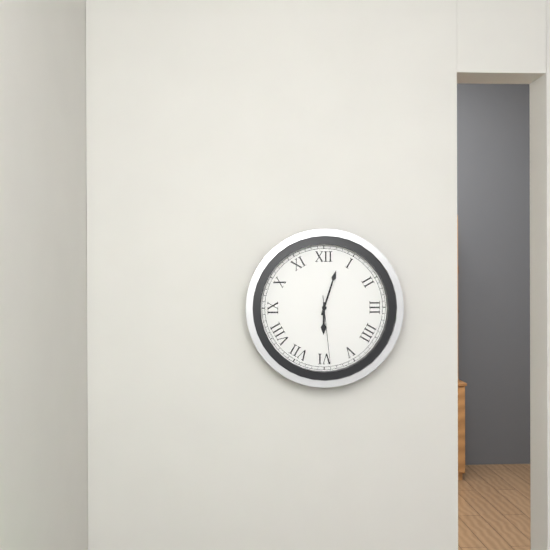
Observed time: 6:03:29
